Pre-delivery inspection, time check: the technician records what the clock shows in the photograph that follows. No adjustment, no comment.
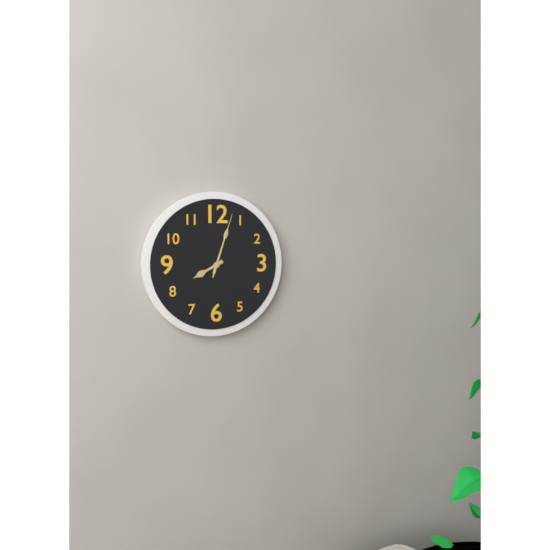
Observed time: 8:03:03
